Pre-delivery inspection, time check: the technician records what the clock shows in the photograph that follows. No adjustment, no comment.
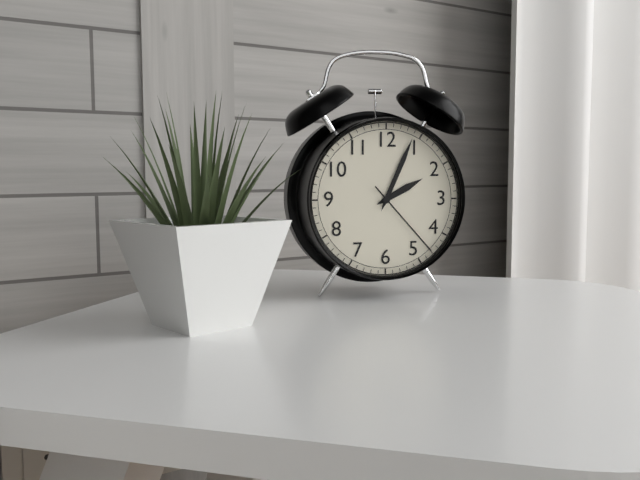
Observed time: 2:04:23
